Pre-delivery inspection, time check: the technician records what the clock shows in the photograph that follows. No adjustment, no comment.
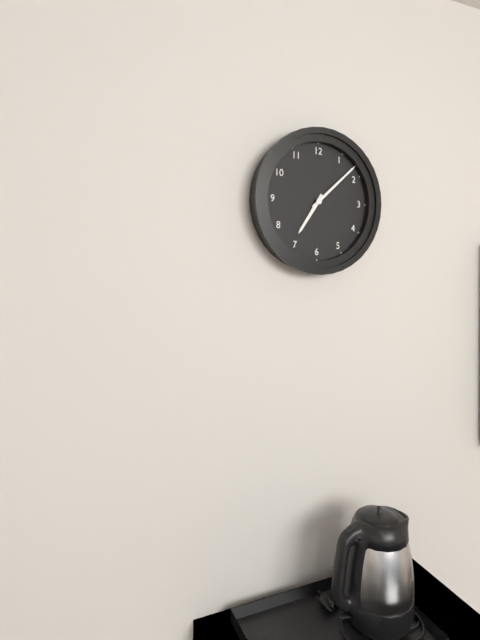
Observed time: 7:08
